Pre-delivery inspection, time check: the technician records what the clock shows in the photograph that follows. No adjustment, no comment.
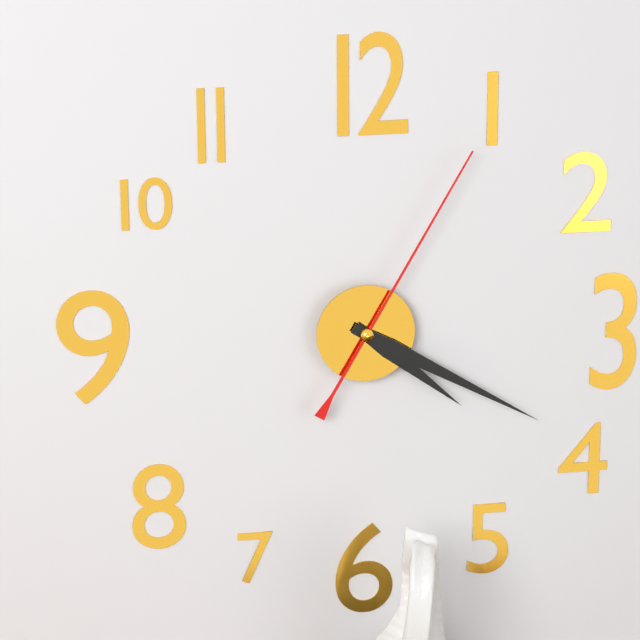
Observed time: 4:20:05
